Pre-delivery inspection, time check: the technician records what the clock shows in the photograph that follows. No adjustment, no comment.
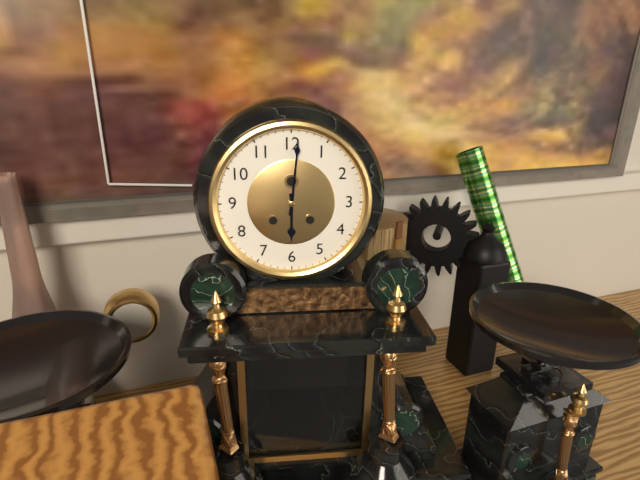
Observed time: 6:01
